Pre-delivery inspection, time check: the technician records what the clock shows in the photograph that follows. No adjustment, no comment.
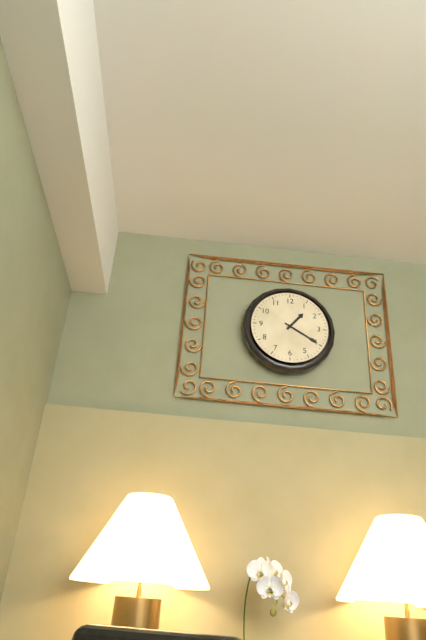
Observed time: 1:20
